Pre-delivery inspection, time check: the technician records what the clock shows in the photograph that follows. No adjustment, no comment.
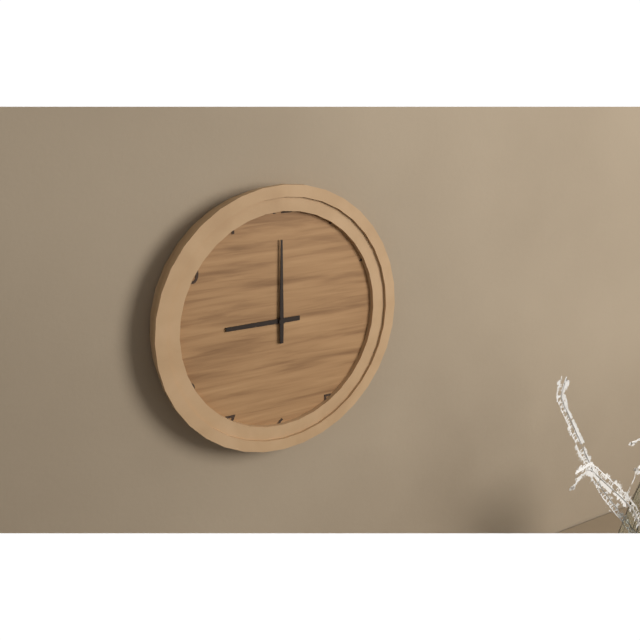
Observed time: 9:00
